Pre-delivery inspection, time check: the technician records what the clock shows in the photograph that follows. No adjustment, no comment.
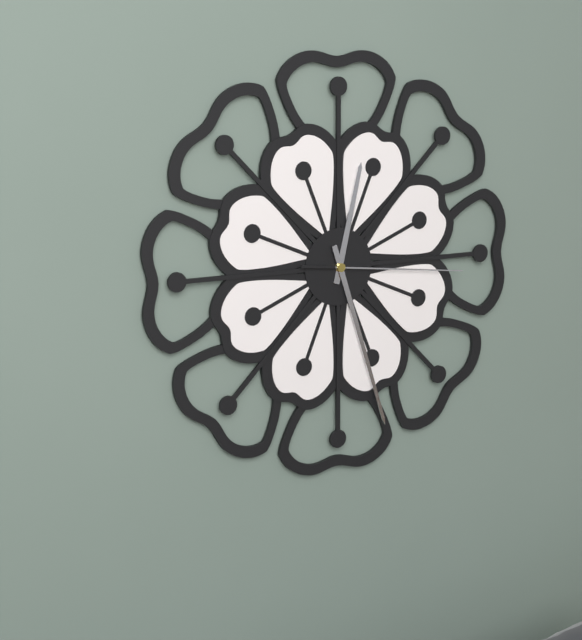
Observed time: 12:27:16
